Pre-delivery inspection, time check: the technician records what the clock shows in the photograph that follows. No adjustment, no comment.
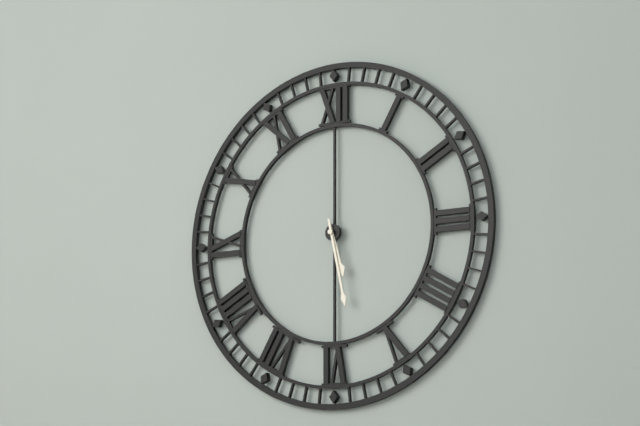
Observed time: 5:28
